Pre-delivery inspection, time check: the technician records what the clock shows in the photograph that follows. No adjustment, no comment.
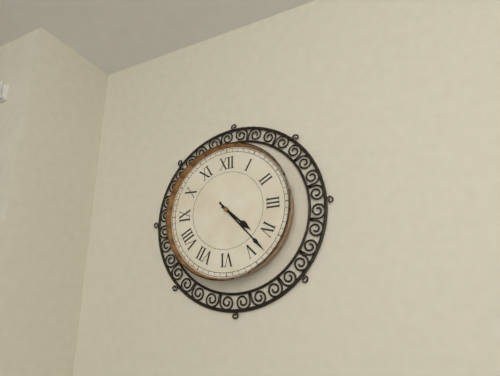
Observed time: 4:23
